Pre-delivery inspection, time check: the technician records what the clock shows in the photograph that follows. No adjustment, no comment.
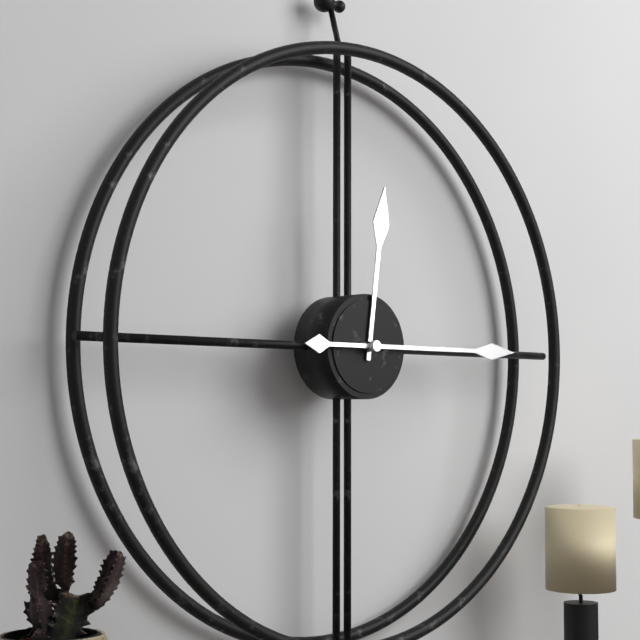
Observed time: 12:15
